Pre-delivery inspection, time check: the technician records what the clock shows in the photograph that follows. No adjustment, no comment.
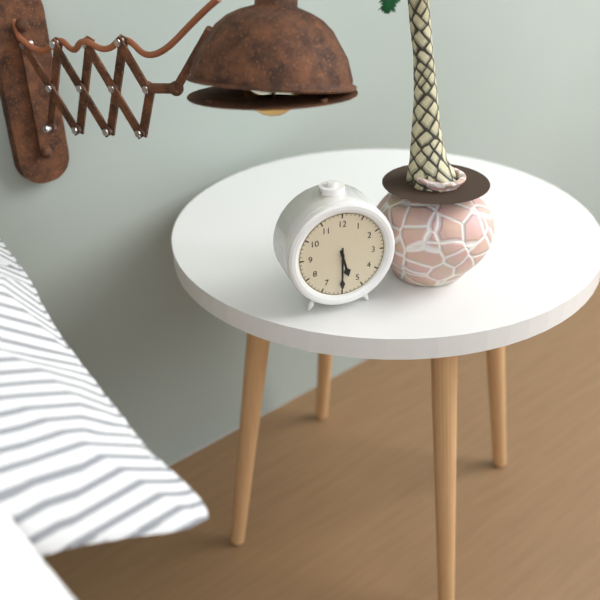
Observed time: 5:30
